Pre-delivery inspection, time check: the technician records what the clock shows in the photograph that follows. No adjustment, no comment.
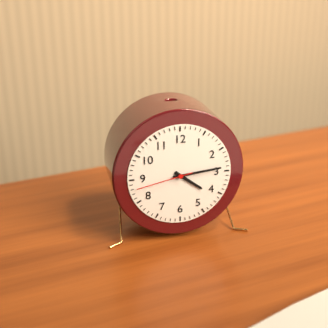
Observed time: 4:14:43
